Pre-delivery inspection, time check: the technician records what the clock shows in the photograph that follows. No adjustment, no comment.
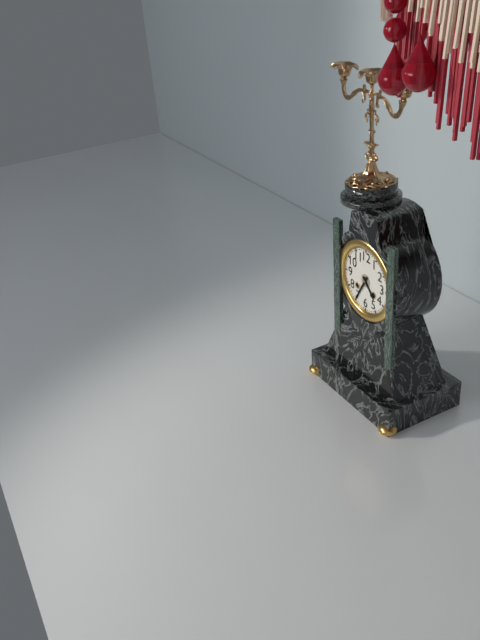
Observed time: 4:35
